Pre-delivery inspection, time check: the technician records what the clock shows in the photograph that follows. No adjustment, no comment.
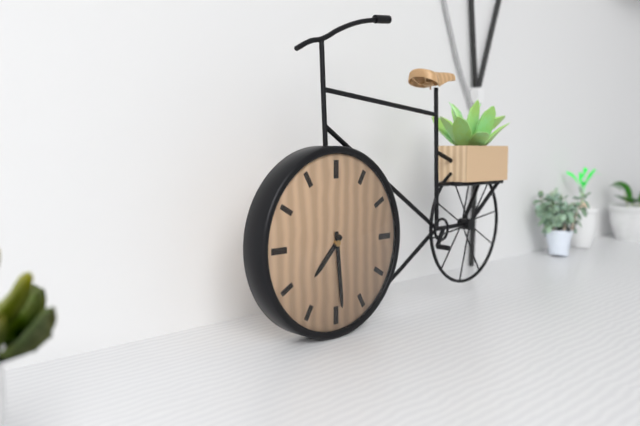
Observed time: 7:29
